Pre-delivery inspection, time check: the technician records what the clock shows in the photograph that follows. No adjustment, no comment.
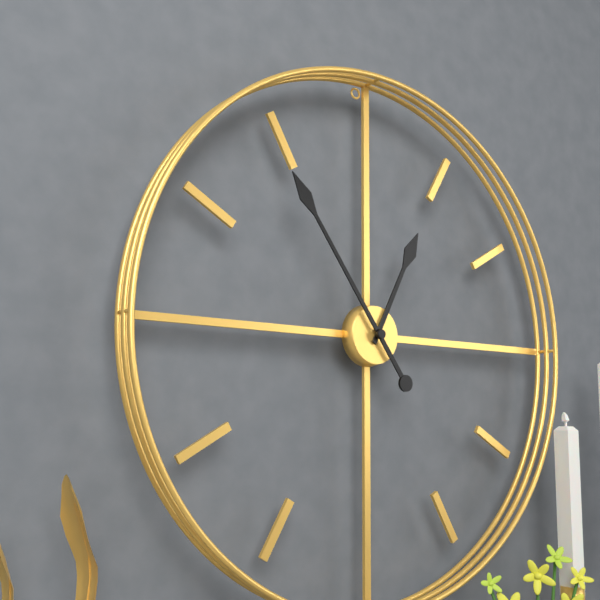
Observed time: 12:54
